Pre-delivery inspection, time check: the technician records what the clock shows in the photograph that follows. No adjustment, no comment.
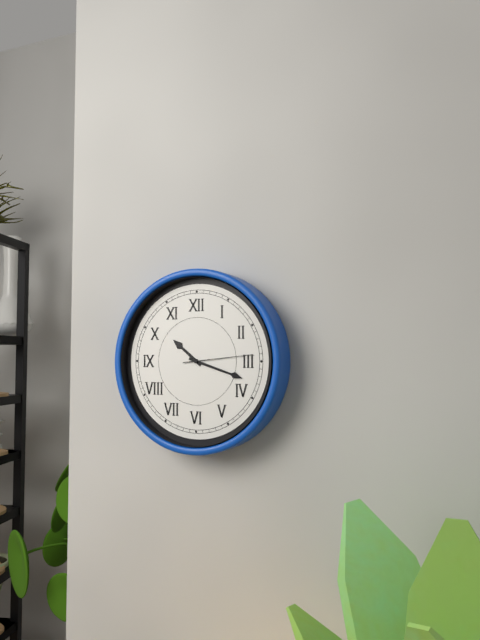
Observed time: 10:18:14
